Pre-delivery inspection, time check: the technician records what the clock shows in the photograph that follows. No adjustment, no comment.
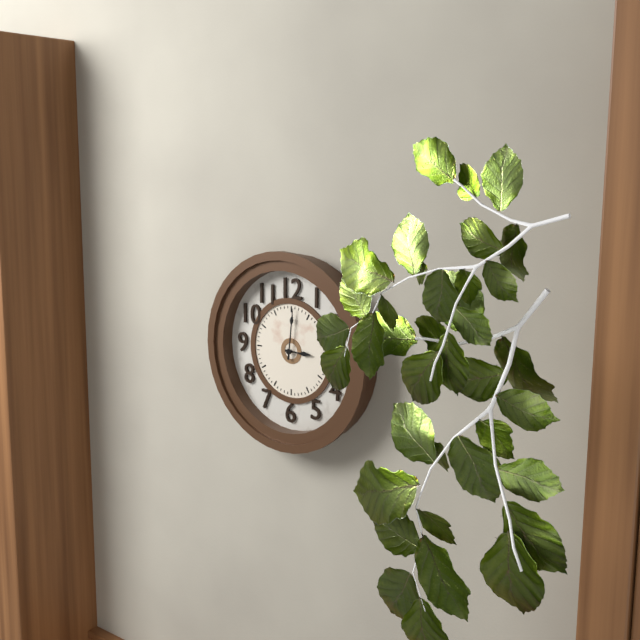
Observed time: 3:01
